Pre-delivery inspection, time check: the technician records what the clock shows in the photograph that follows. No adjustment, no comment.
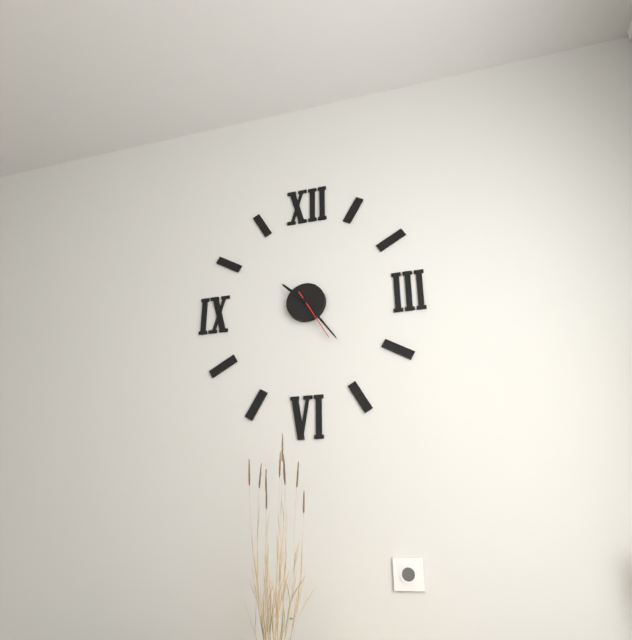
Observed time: 10:24
